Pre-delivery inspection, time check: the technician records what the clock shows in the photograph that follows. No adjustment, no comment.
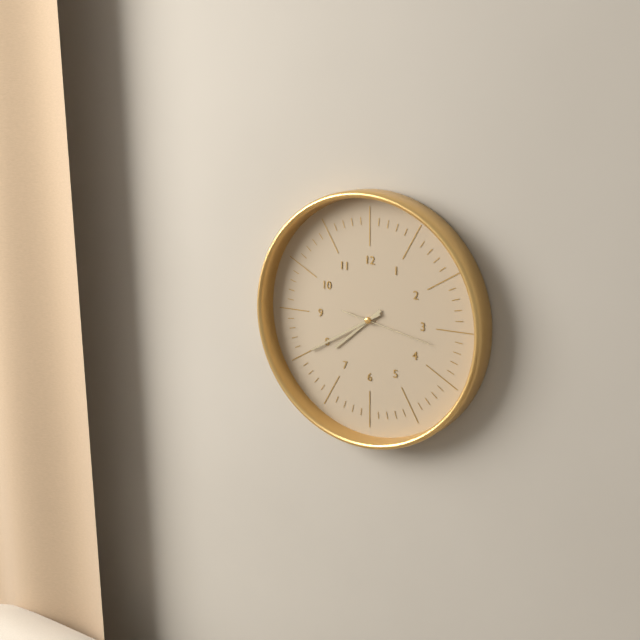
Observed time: 7:40:17
